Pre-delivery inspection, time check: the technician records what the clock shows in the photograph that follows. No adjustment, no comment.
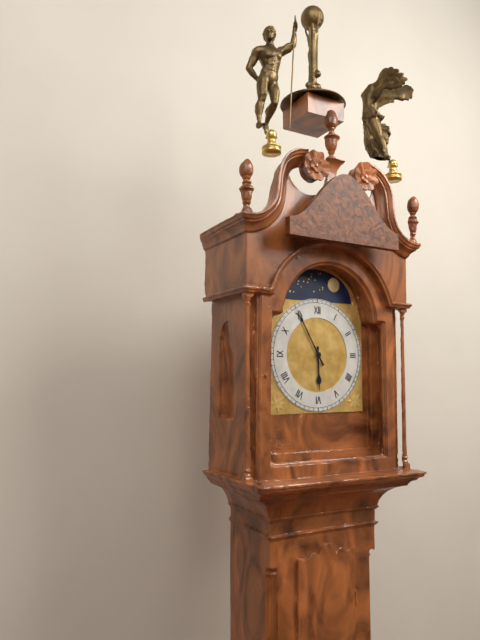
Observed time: 5:55
